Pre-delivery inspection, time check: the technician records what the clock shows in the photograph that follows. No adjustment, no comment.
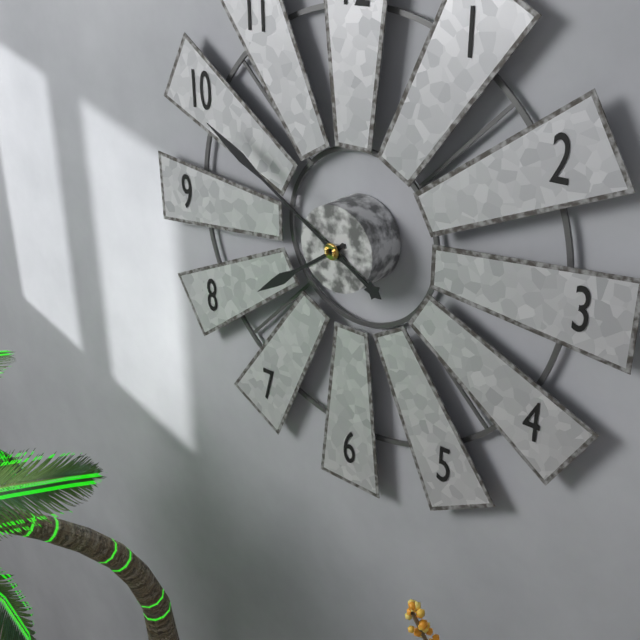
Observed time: 7:50
